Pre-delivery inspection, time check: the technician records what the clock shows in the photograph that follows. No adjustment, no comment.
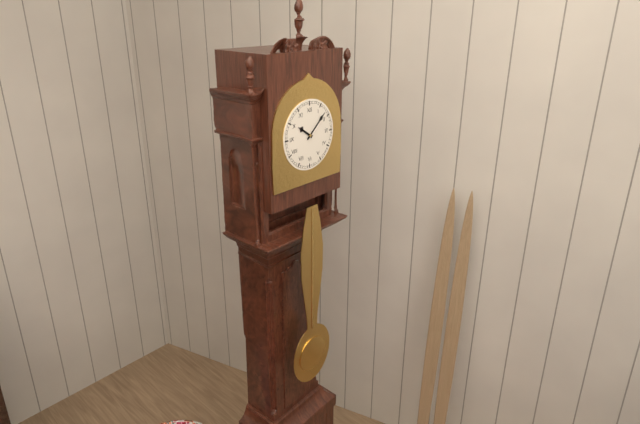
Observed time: 10:08
